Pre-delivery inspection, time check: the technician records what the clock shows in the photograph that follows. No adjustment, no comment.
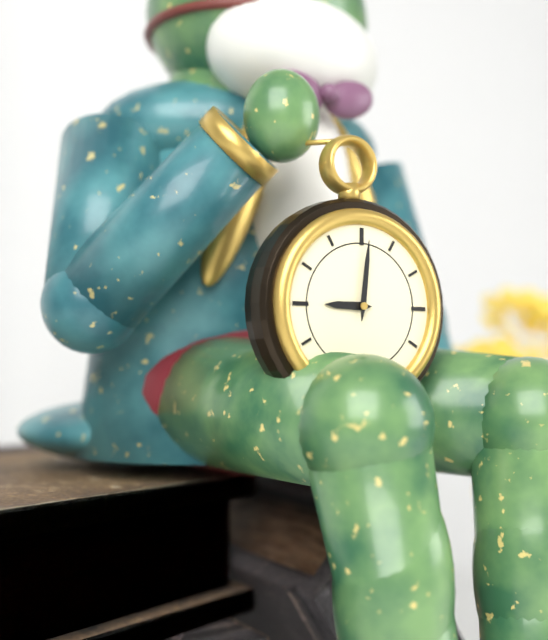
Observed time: 9:01
